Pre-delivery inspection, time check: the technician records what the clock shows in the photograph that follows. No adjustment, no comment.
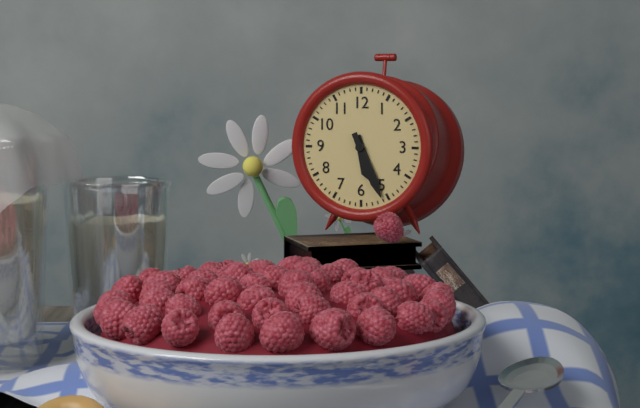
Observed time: 5:26
